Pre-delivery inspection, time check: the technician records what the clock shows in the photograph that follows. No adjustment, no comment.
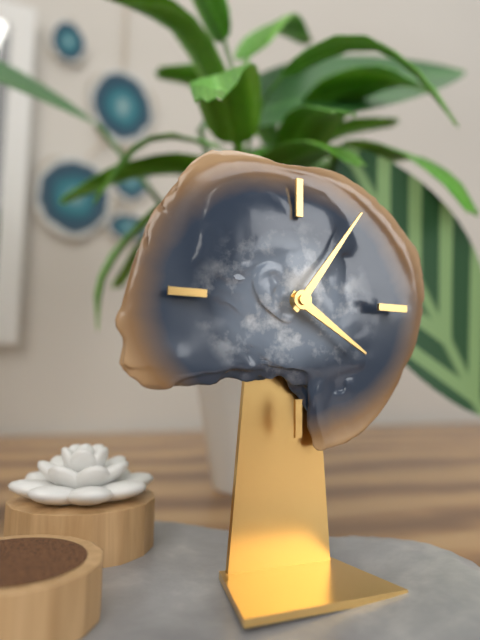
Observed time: 4:06
